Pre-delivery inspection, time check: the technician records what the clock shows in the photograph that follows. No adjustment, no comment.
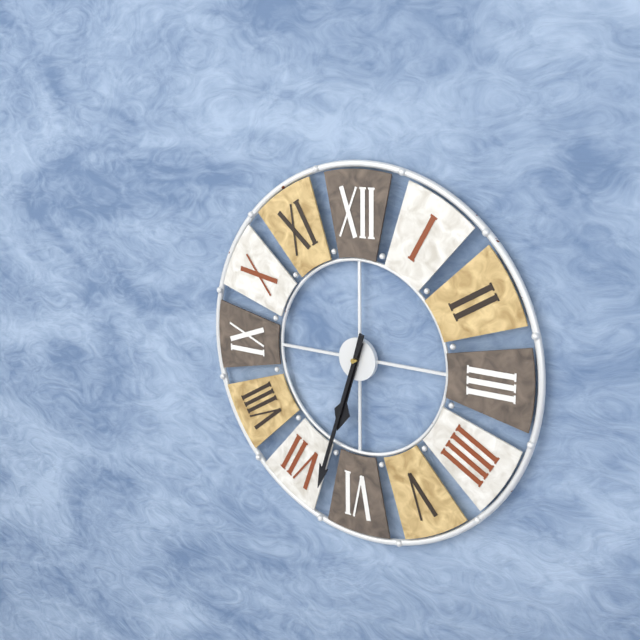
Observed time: 6:33
